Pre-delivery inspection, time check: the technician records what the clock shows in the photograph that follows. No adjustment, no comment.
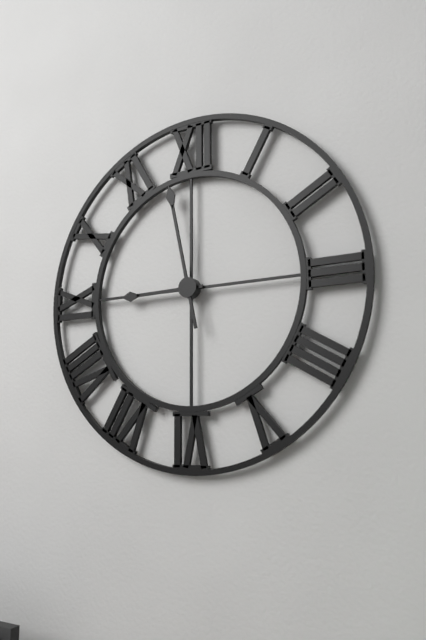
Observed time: 8:58
